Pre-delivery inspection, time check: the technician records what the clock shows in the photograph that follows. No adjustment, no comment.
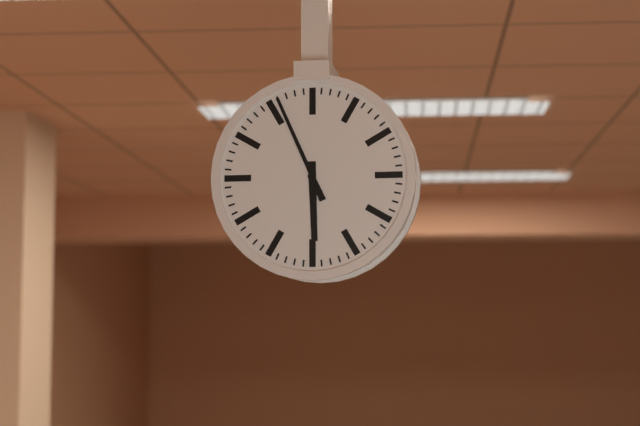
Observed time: 5:56
